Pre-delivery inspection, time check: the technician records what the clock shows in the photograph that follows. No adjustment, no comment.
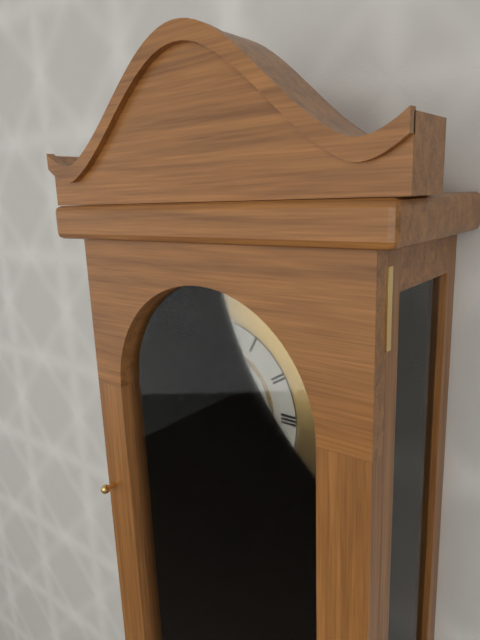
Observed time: 9:45
